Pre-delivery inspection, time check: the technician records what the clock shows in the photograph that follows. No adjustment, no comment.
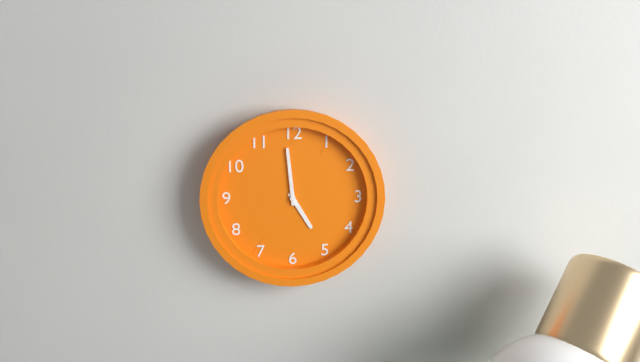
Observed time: 4:59
